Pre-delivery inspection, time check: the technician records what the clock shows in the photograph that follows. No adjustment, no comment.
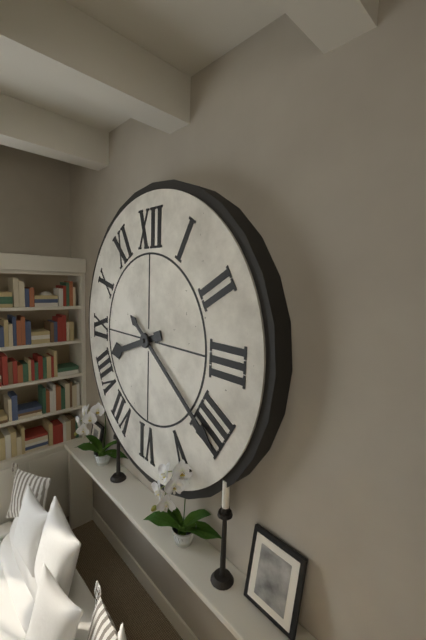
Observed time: 8:21
